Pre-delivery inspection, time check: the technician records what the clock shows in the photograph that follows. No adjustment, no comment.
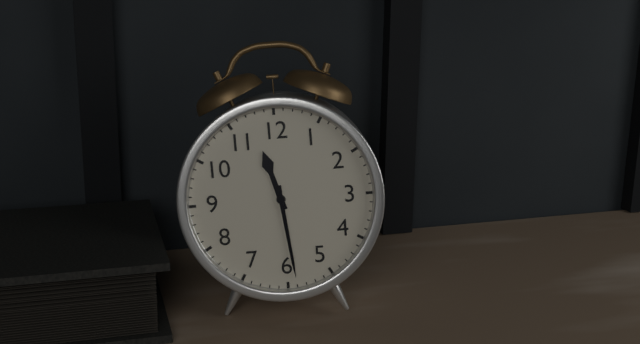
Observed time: 11:29
